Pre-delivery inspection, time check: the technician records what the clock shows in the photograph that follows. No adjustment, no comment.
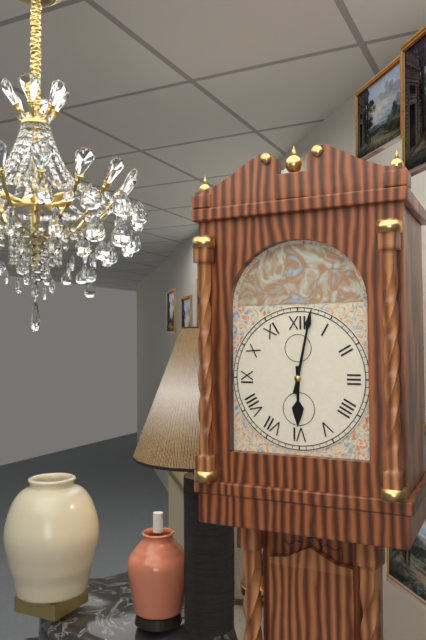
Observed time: 6:02
